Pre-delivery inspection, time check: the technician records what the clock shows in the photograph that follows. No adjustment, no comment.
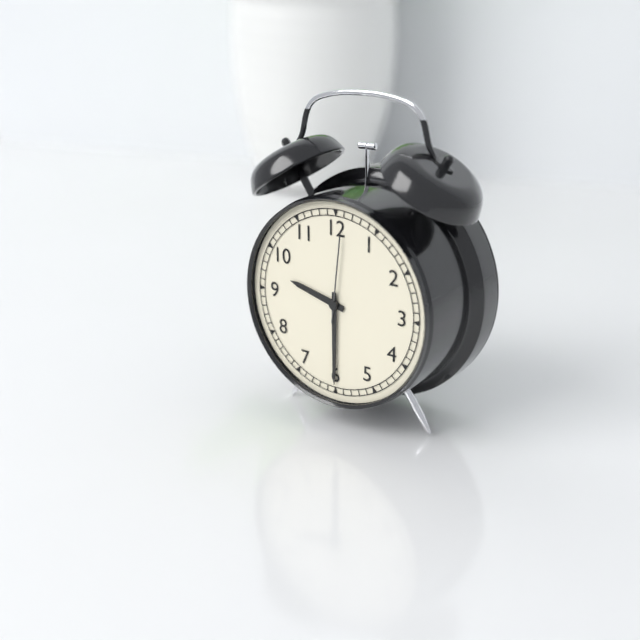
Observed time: 9:30:01
